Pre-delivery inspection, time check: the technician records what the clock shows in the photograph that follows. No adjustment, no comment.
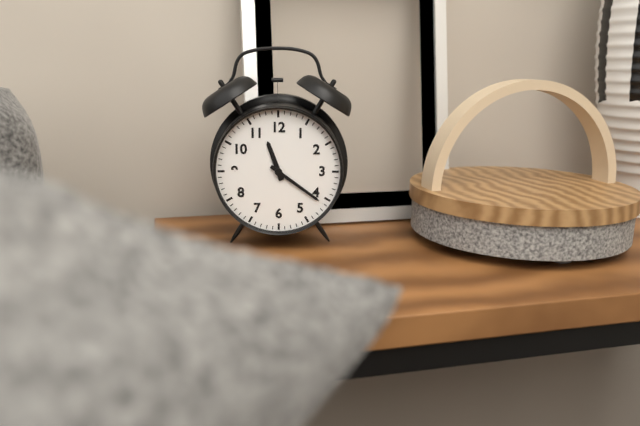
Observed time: 11:21
